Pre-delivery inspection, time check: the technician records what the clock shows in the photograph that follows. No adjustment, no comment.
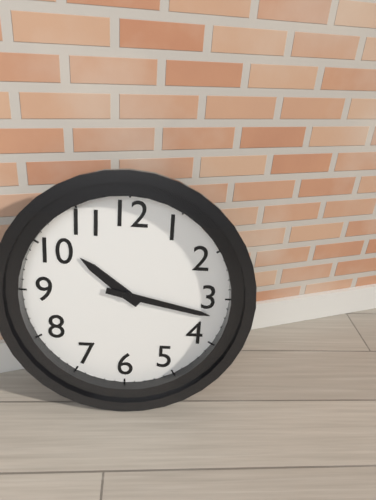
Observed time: 10:17
